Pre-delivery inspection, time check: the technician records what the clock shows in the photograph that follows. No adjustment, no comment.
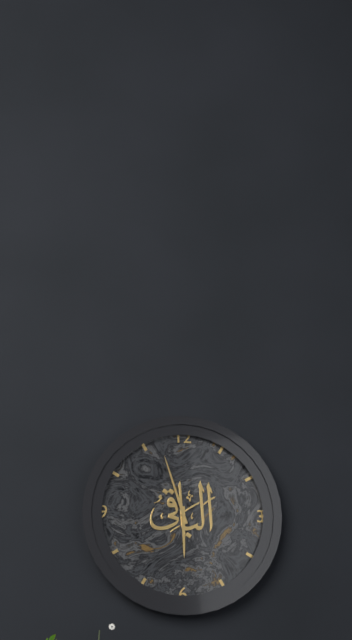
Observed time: 5:57
